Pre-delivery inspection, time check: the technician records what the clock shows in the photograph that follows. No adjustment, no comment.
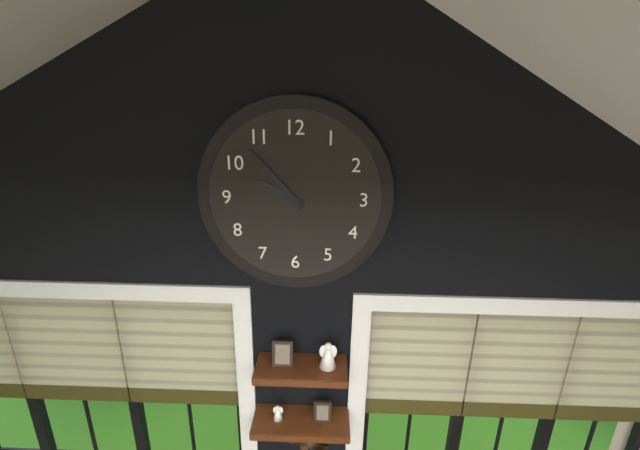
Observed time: 9:53
